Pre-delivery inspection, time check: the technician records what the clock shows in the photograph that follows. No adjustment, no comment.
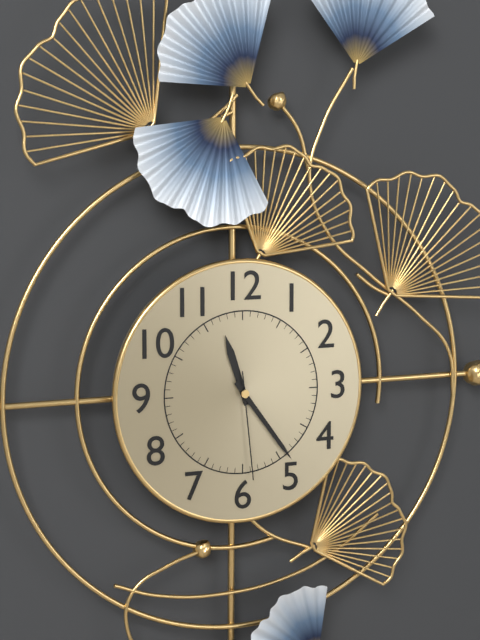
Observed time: 11:24:29
